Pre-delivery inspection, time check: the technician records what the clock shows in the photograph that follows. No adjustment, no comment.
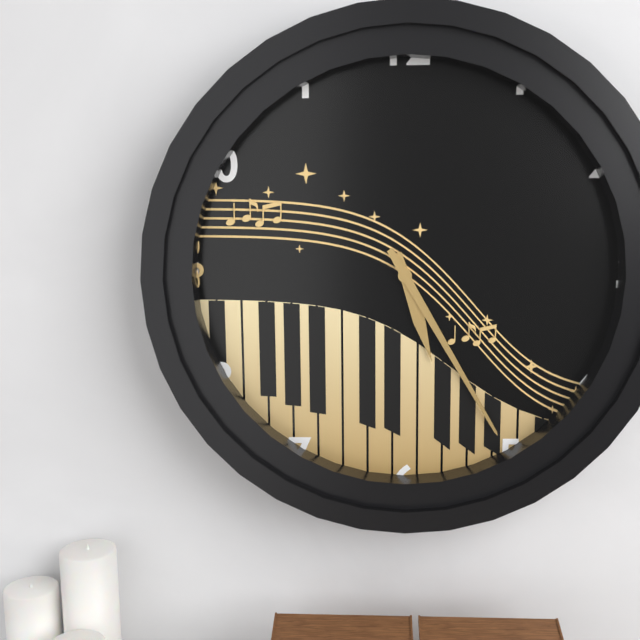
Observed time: 5:25
